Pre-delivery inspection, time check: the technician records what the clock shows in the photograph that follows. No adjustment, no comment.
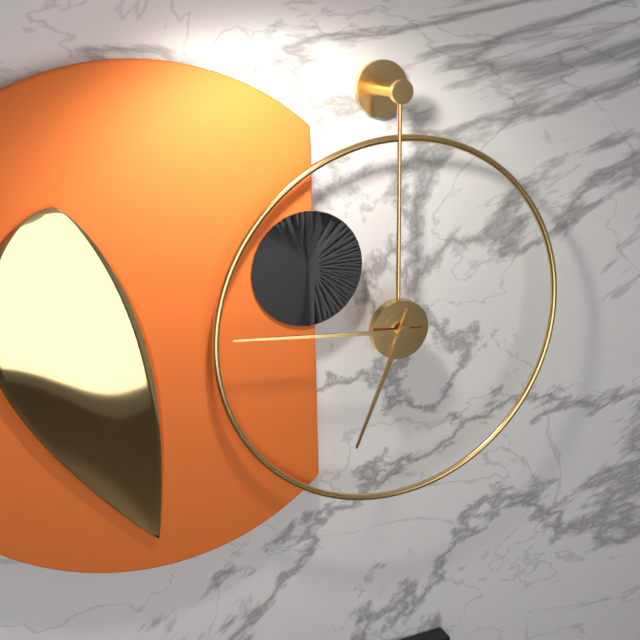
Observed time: 6:46
